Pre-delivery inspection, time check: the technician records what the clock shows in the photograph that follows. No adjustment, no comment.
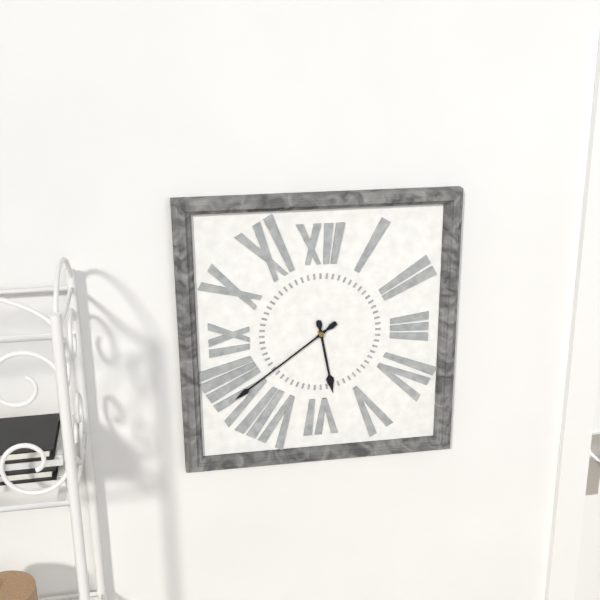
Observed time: 5:39
